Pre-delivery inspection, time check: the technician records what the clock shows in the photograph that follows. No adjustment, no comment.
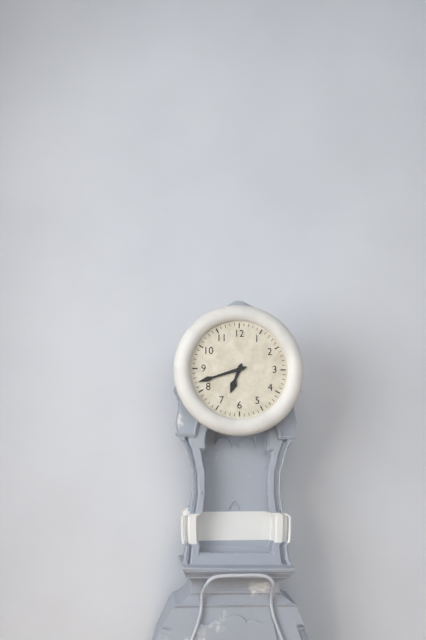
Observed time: 6:42
